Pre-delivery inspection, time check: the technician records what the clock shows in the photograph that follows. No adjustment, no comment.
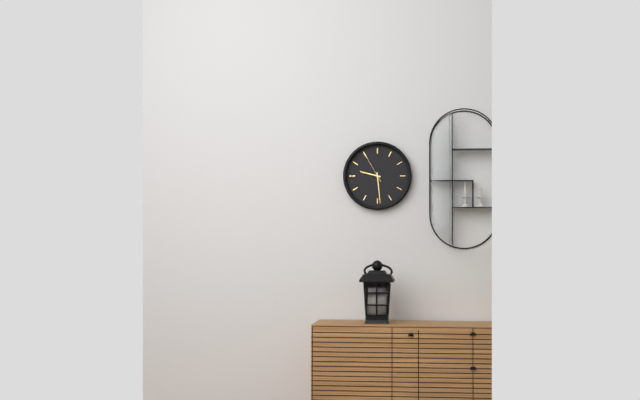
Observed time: 9:29
